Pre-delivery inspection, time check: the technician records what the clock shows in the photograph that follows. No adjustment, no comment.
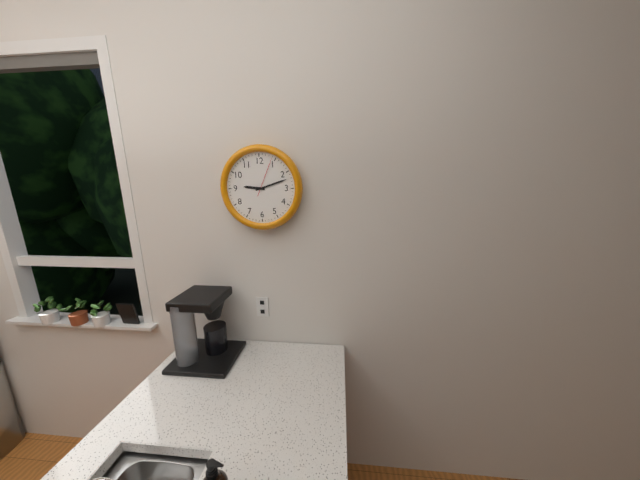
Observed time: 9:12
